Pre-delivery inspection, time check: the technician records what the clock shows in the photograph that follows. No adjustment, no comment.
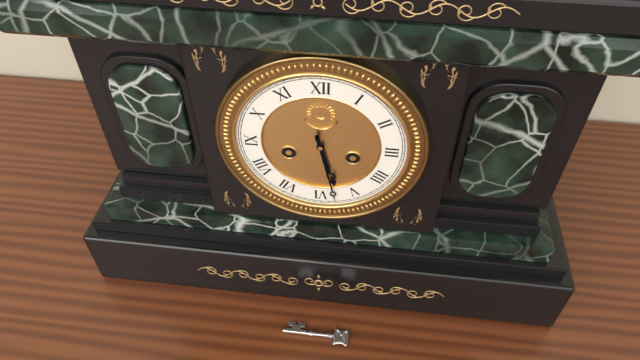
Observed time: 5:28
